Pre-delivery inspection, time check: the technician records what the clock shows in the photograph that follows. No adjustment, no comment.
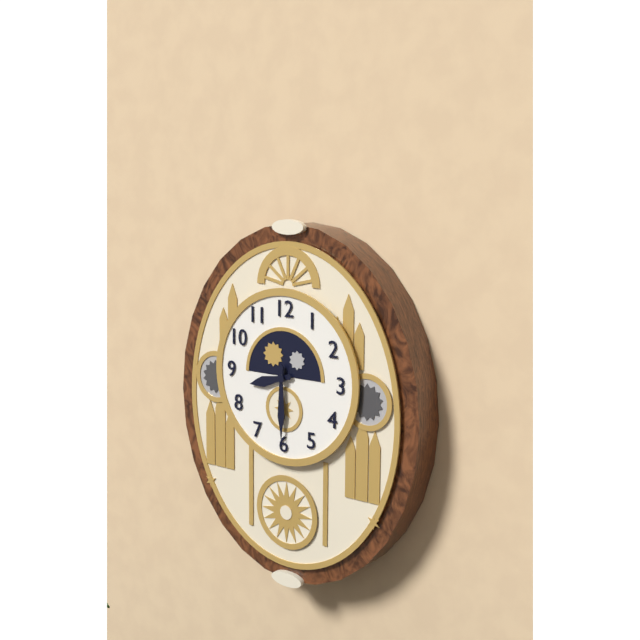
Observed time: 8:30
